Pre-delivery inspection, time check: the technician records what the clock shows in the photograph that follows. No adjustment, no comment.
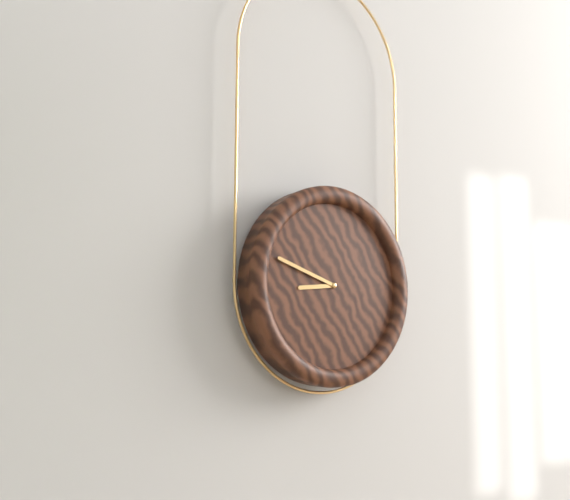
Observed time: 8:48
